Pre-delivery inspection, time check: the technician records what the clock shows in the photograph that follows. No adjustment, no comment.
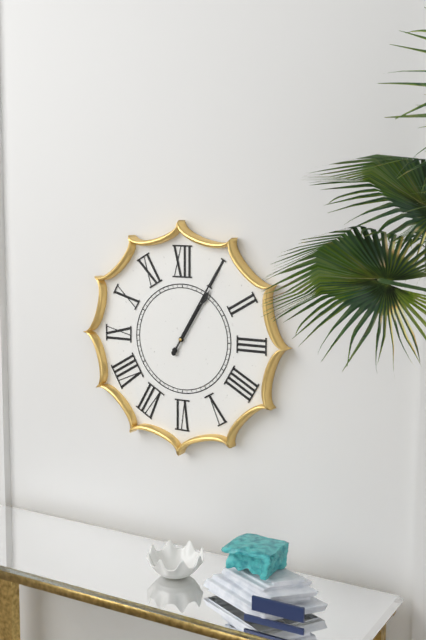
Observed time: 1:05
